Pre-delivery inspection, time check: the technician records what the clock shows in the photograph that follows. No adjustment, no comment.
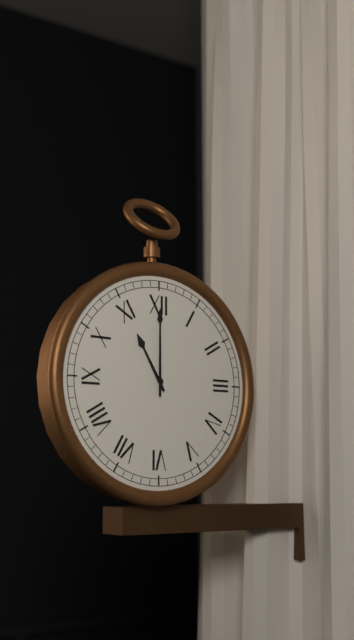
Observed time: 11:00
